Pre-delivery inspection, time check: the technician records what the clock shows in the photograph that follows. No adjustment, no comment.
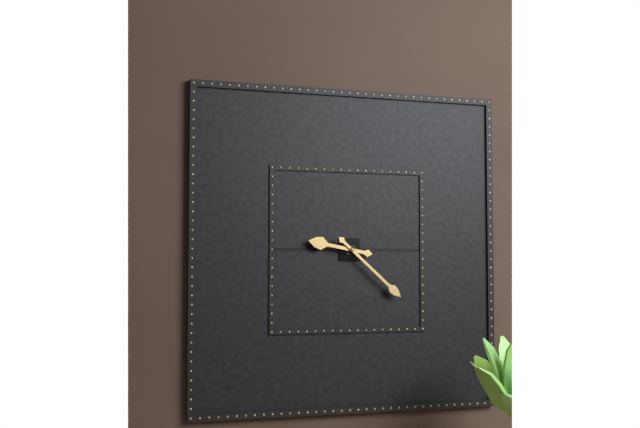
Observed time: 9:22
